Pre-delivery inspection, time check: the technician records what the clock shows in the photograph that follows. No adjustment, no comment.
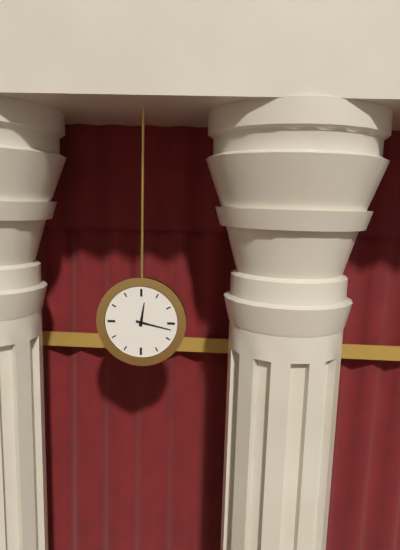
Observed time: 12:17
